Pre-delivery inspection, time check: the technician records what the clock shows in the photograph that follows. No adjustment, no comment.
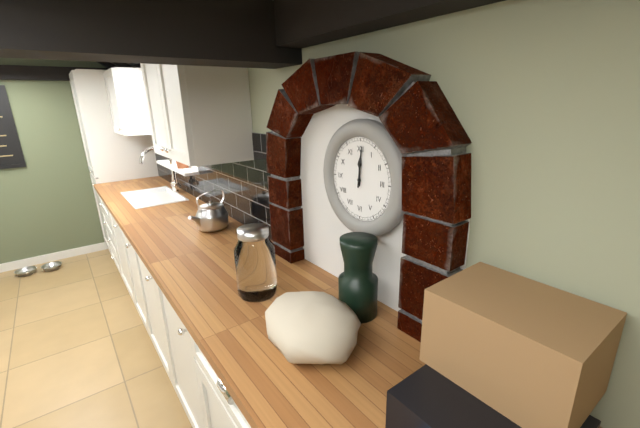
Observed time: 12:01
